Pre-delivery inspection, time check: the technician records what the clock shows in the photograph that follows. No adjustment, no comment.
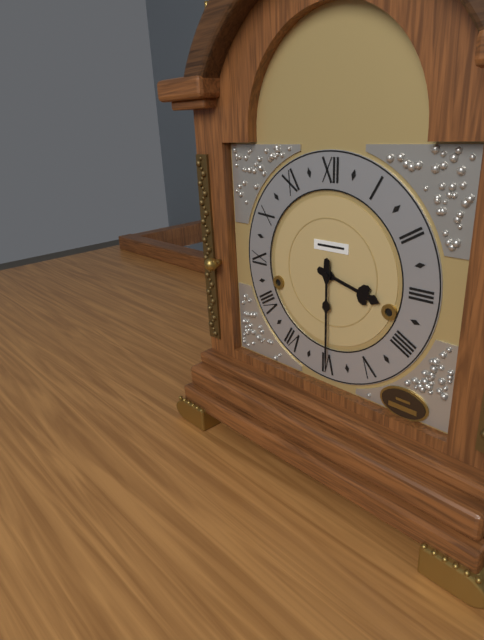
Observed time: 3:30
